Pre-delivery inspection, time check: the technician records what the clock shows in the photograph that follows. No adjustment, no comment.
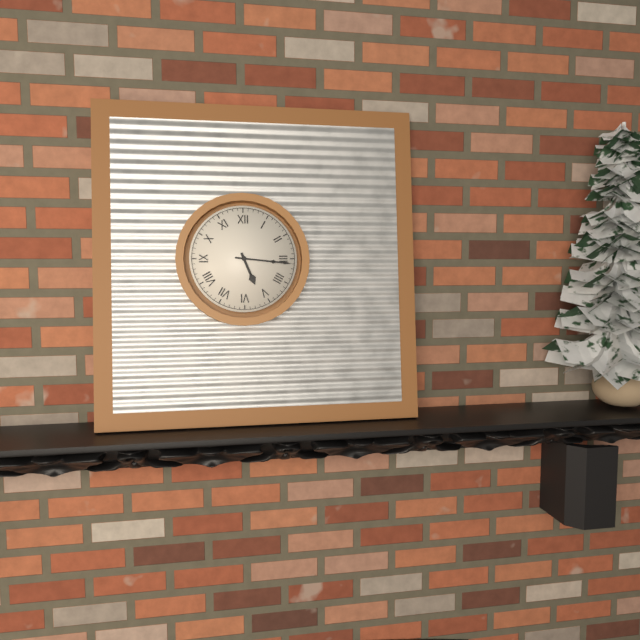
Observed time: 5:16
